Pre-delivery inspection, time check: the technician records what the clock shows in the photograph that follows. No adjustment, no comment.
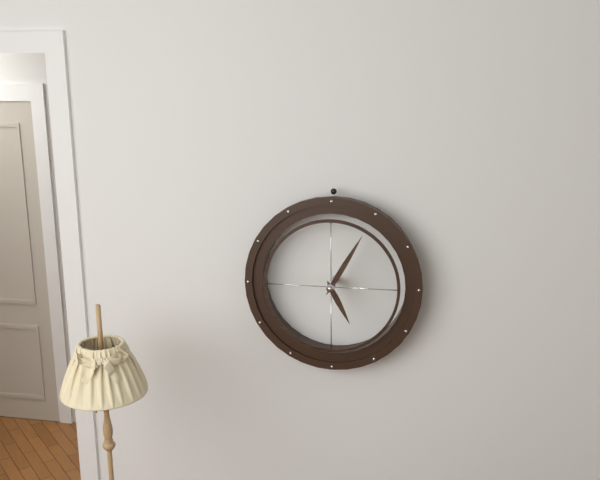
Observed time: 5:05
